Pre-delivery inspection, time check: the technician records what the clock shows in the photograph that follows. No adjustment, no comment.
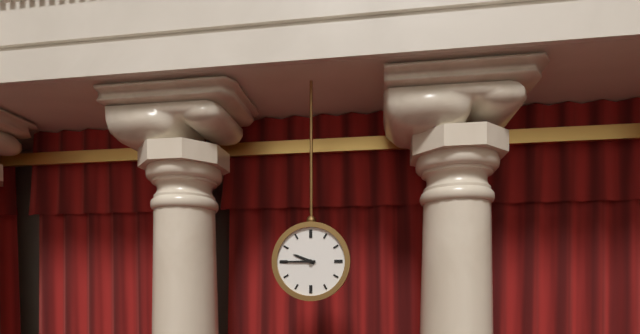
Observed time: 9:45
